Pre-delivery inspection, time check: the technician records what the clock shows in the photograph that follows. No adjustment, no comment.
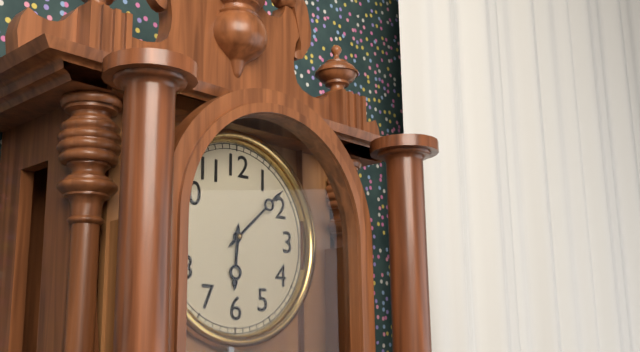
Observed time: 6:08
